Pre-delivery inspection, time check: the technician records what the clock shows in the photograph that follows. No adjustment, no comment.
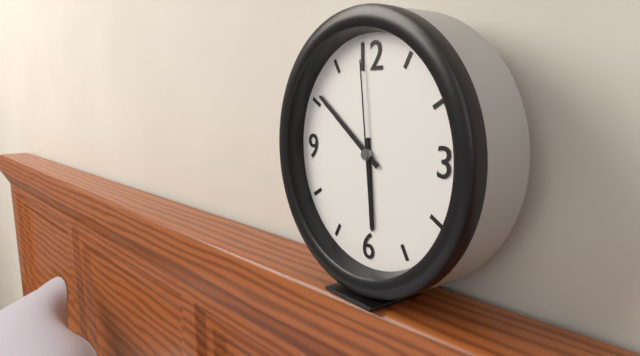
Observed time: 5:51:59
